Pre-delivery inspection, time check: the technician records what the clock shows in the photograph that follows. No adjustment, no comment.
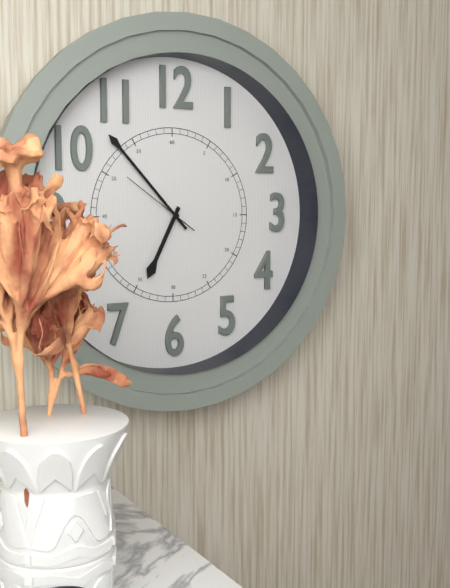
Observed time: 6:53:51
